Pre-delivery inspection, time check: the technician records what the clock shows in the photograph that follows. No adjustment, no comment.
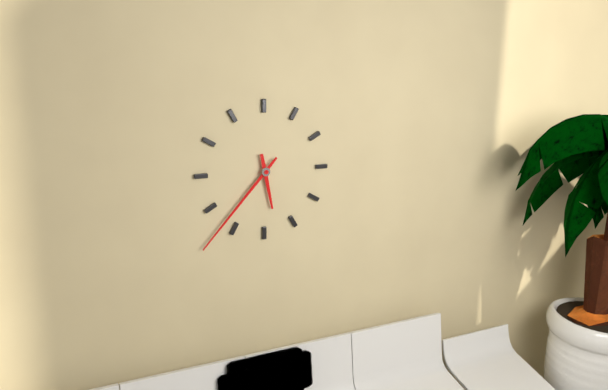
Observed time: 5:37
